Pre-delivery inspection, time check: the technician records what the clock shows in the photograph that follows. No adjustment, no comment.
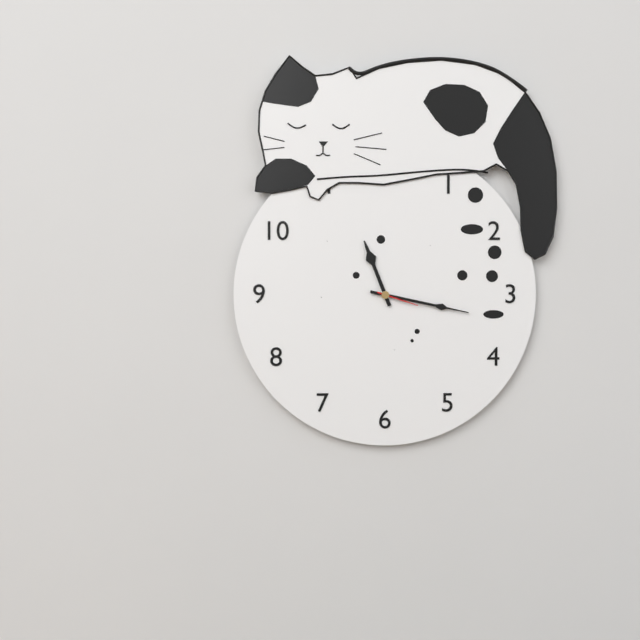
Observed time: 11:17
